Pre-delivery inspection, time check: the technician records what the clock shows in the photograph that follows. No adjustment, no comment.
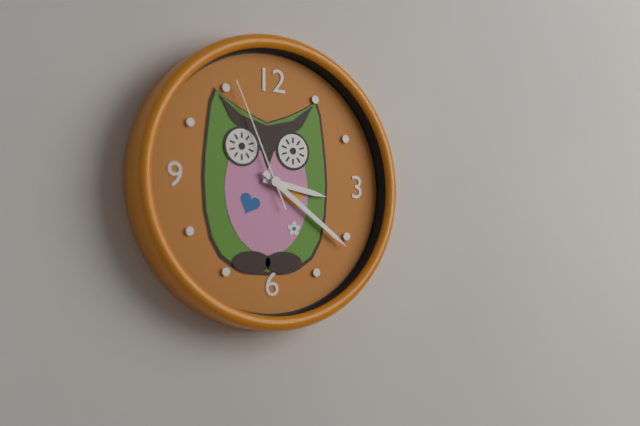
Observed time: 3:21:56
